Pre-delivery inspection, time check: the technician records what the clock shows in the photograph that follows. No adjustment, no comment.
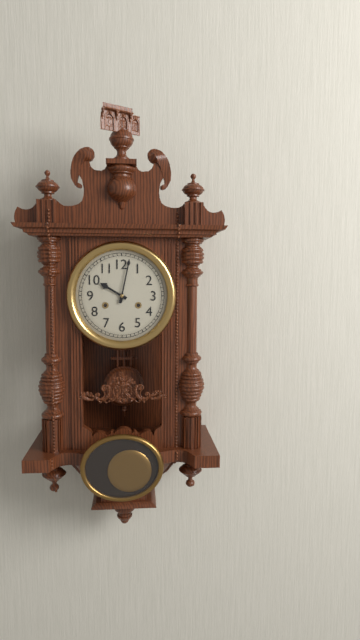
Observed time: 10:02
